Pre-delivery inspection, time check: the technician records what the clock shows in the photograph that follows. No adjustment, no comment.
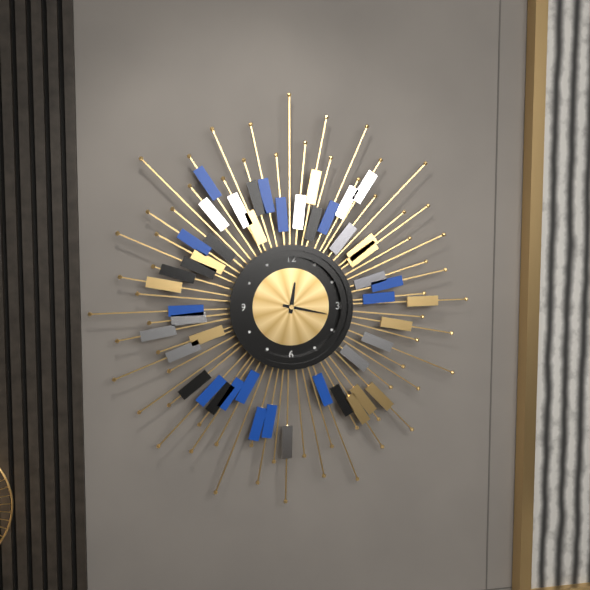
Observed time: 12:17
